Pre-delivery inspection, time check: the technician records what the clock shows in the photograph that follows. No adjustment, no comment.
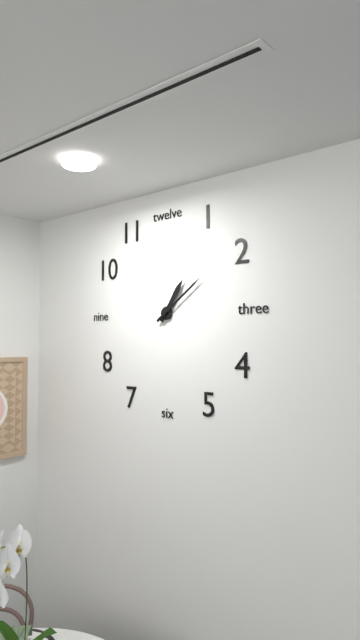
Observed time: 1:09
